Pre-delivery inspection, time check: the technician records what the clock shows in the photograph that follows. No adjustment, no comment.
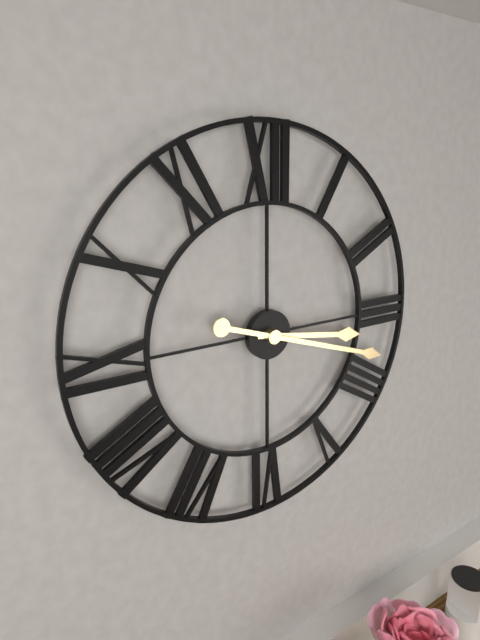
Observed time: 3:18
